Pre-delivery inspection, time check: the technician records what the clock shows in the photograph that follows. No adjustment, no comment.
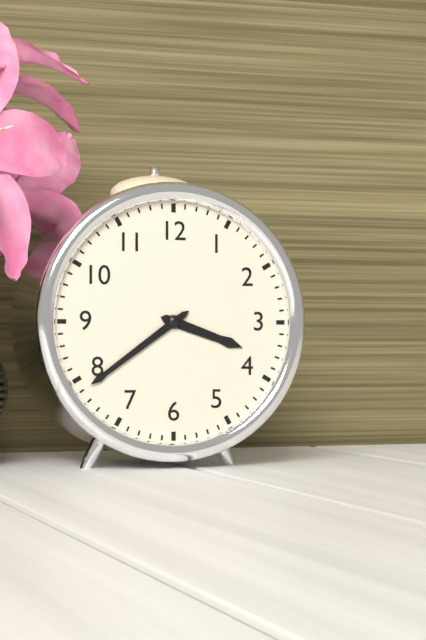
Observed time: 3:39
